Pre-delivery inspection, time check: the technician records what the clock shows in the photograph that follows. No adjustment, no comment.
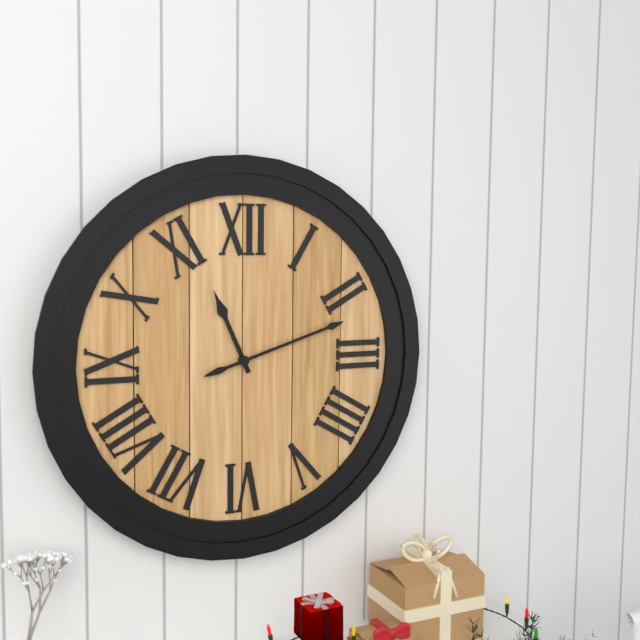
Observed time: 11:12
